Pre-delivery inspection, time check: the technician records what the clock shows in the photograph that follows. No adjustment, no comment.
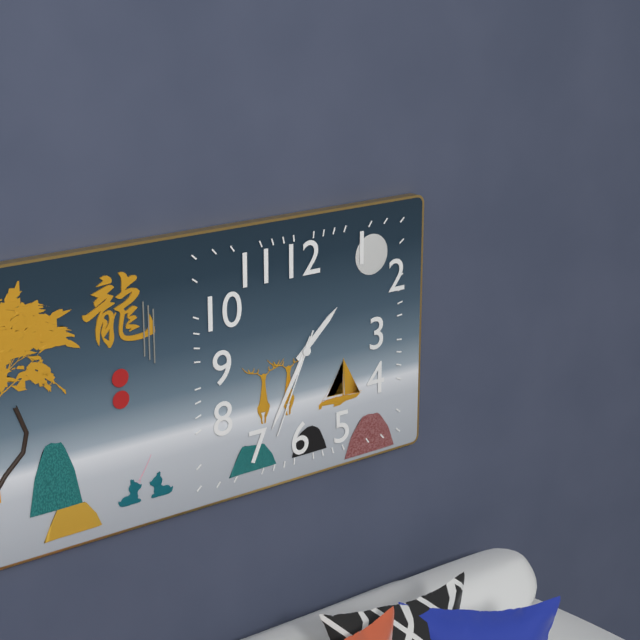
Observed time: 1:35:34
